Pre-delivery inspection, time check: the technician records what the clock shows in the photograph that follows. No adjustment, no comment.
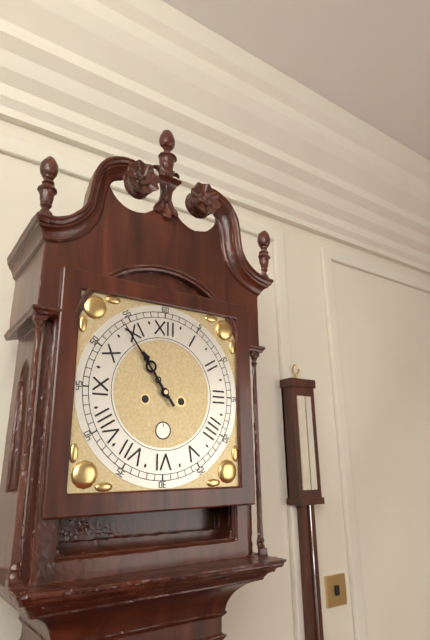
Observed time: 10:54
